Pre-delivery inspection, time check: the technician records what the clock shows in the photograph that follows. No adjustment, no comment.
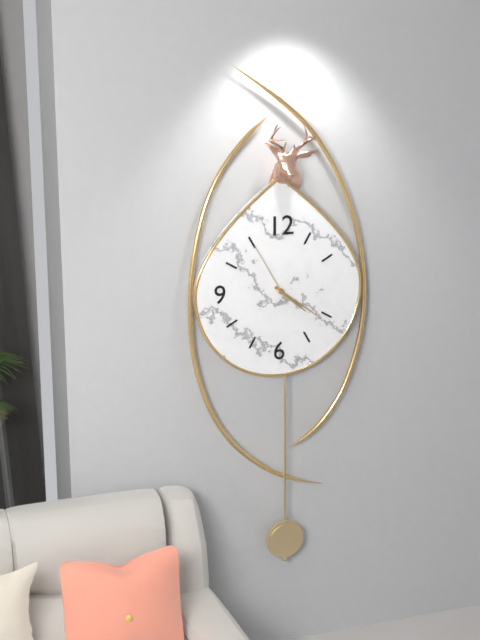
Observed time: 4:21:55
